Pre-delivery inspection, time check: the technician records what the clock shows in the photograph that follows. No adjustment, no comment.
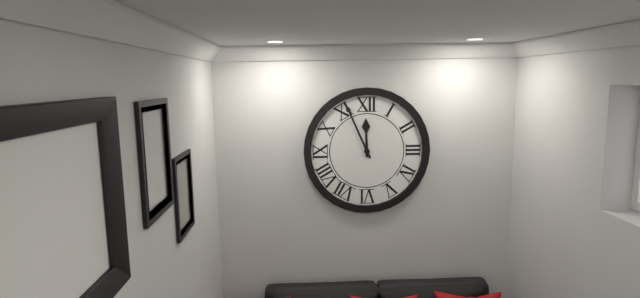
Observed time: 11:56
